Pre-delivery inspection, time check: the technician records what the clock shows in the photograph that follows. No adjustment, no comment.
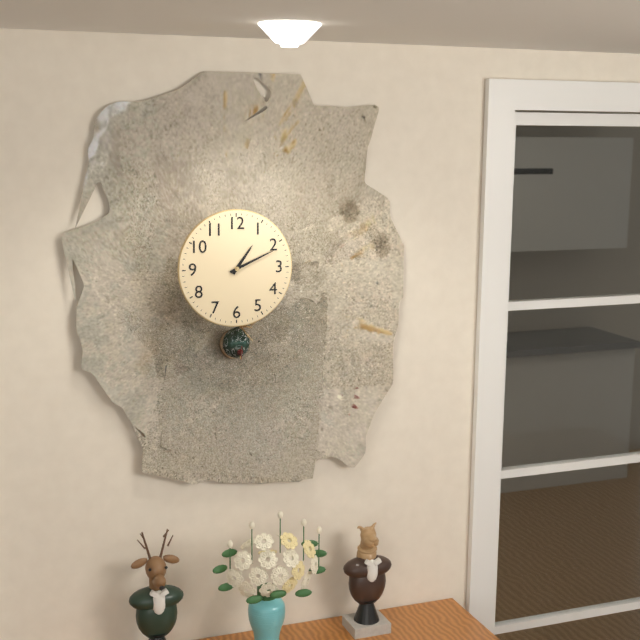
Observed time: 1:11
